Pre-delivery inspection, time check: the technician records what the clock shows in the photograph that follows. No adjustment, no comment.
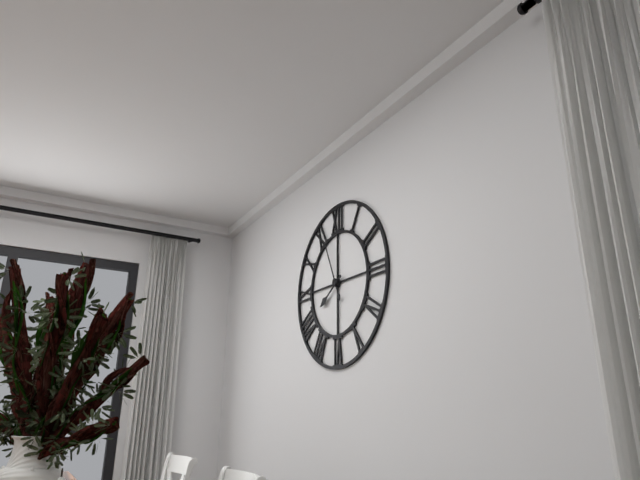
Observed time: 7:56
